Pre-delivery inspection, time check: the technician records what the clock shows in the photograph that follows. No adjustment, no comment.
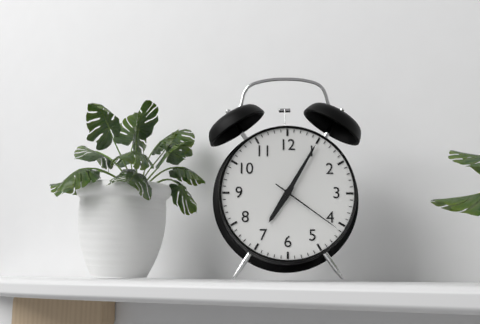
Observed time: 7:05:21
